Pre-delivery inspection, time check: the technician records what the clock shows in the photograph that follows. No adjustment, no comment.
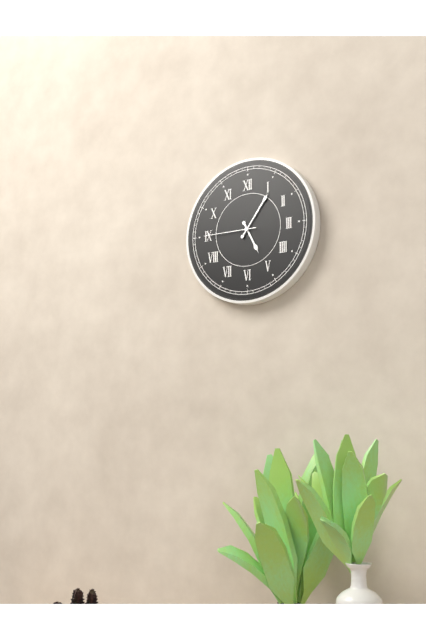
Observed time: 5:06:45
